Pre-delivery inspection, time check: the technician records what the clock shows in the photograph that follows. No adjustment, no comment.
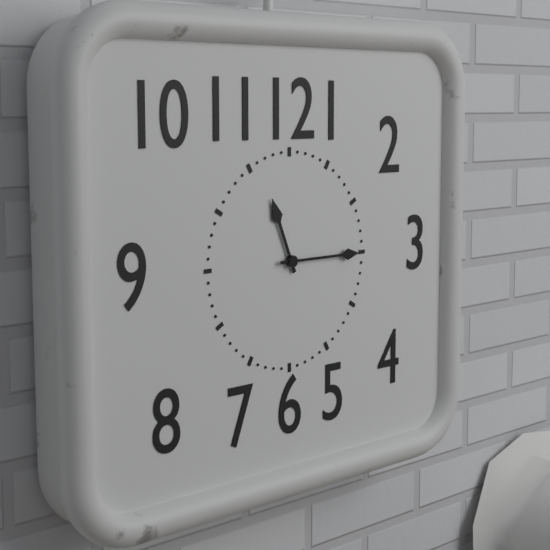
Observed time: 11:15
